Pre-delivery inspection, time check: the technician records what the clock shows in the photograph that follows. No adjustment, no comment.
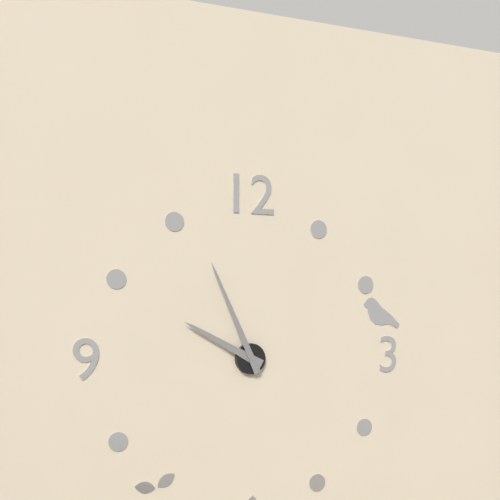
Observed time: 9:56
